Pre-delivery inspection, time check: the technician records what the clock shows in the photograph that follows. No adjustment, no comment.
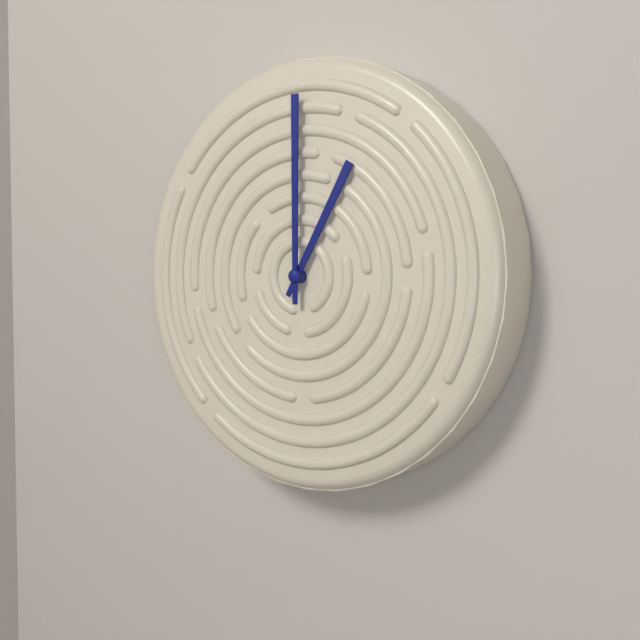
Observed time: 1:00
